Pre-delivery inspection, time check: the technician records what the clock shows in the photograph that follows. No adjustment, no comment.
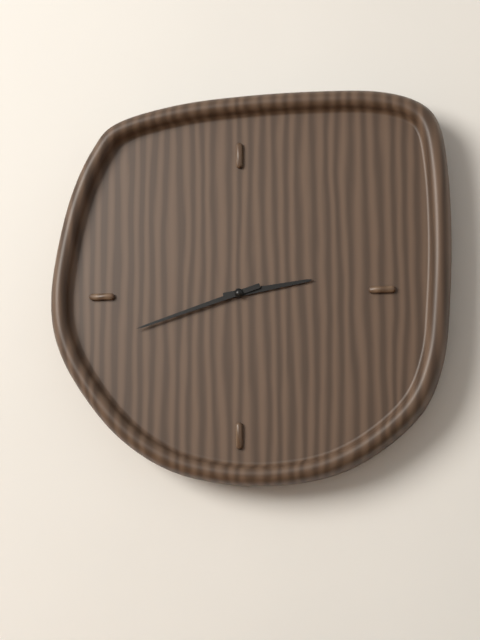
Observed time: 2:42
